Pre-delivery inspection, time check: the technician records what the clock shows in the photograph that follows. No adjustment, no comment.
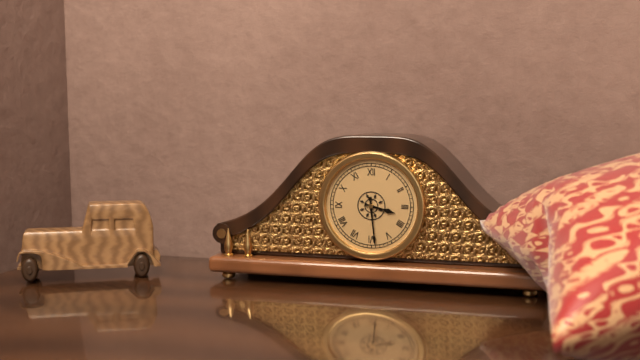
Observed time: 3:29
